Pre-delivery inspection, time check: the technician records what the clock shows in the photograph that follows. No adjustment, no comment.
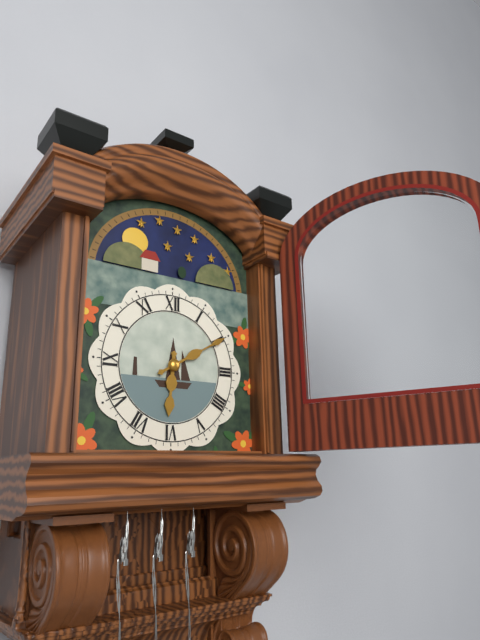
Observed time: 6:10
